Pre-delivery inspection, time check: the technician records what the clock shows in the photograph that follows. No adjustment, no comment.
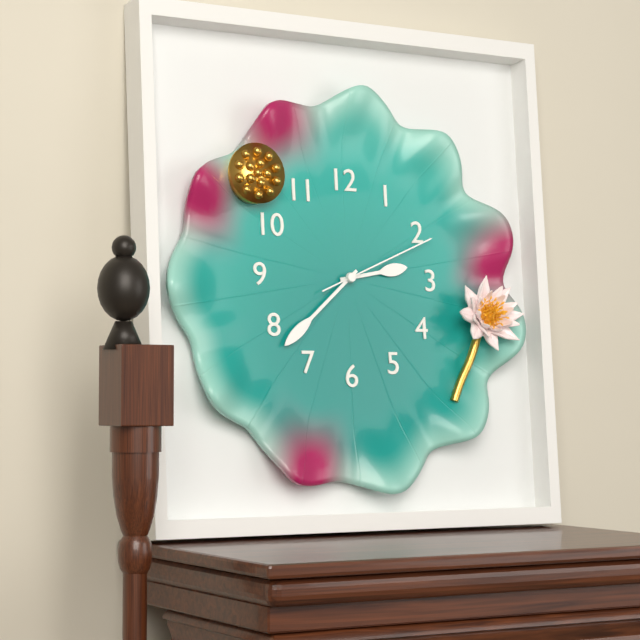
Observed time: 2:38:11
